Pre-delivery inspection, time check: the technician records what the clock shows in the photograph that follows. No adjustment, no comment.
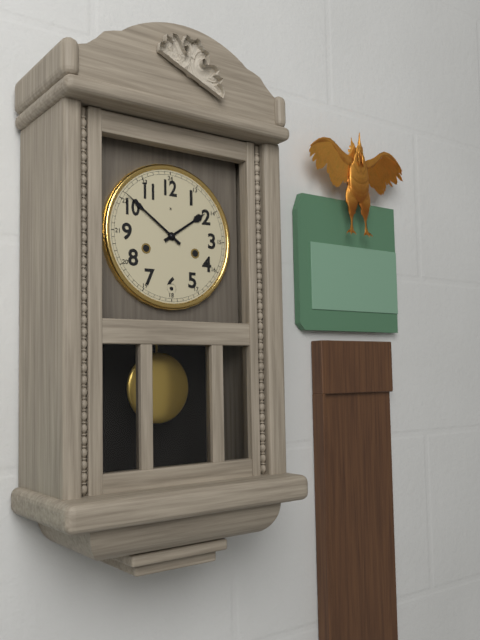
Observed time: 1:51
